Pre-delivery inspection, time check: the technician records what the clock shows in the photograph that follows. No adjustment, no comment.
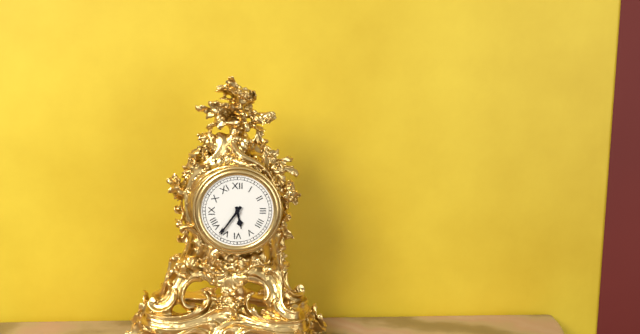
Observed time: 5:36
